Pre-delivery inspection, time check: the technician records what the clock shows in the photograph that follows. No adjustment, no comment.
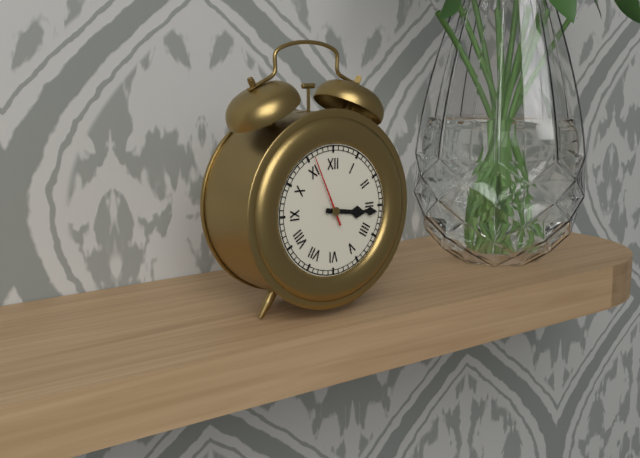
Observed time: 3:16:56
